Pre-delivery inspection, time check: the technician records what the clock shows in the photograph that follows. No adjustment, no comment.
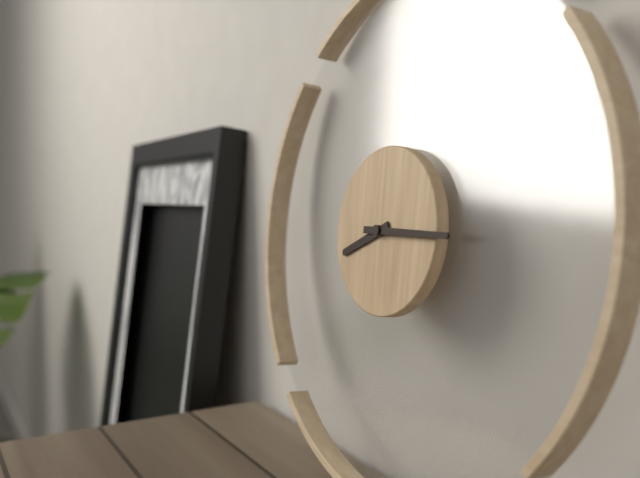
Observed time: 8:15
